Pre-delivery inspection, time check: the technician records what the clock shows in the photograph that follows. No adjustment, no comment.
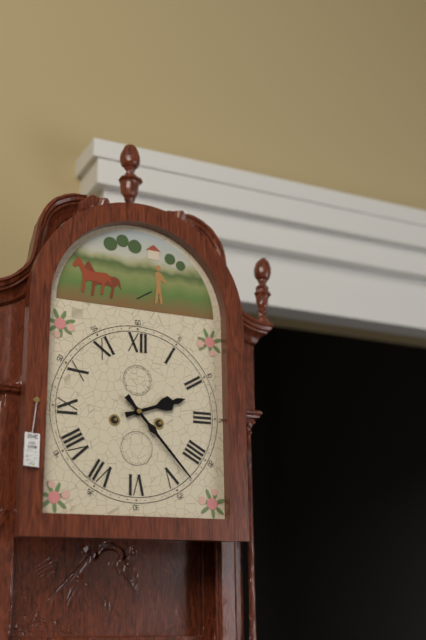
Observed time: 2:23
